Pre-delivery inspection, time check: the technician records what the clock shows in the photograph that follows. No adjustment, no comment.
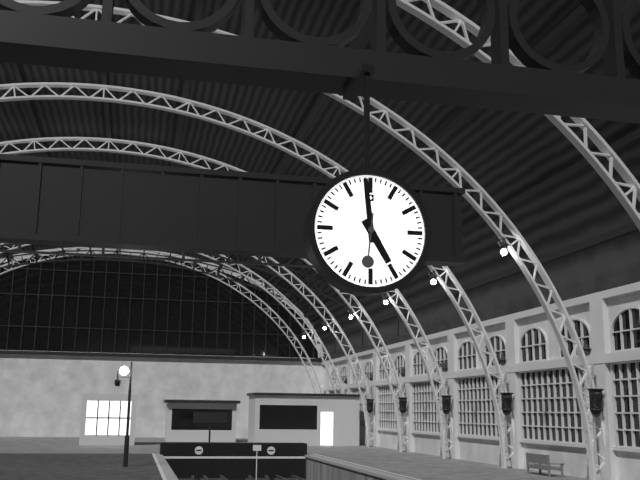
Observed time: 4:59
